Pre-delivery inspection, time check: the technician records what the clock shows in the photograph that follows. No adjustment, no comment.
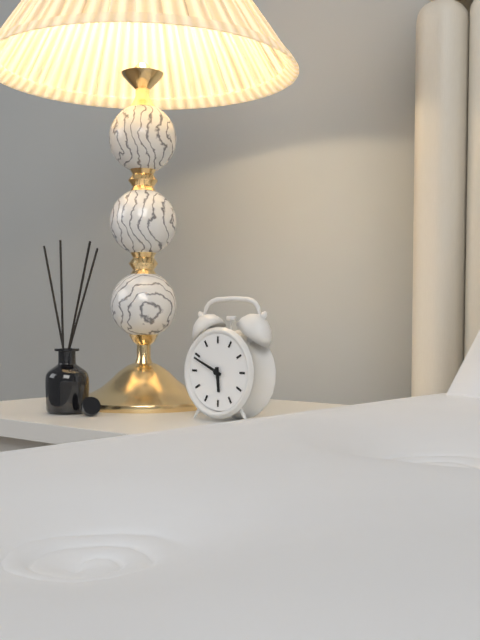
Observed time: 5:49
